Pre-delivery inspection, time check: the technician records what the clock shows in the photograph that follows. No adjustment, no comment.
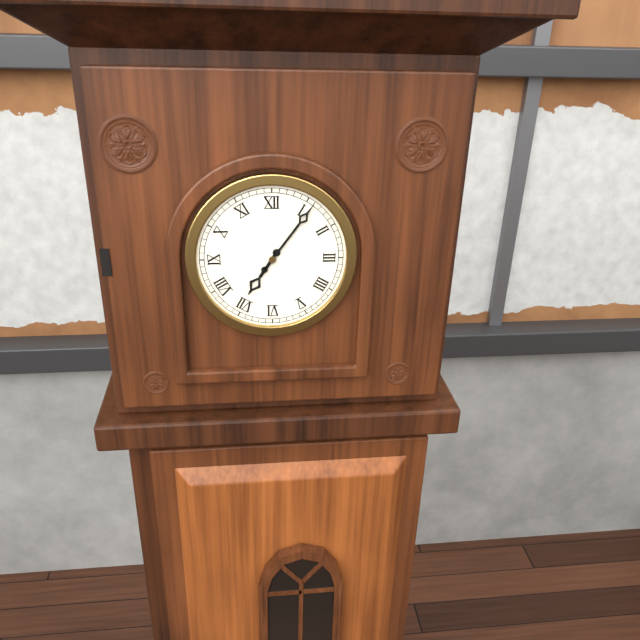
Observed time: 7:06
